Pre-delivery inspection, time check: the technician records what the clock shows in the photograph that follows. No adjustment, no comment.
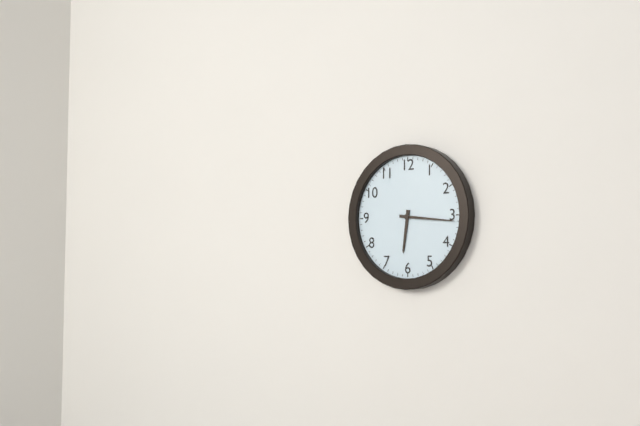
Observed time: 6:16
